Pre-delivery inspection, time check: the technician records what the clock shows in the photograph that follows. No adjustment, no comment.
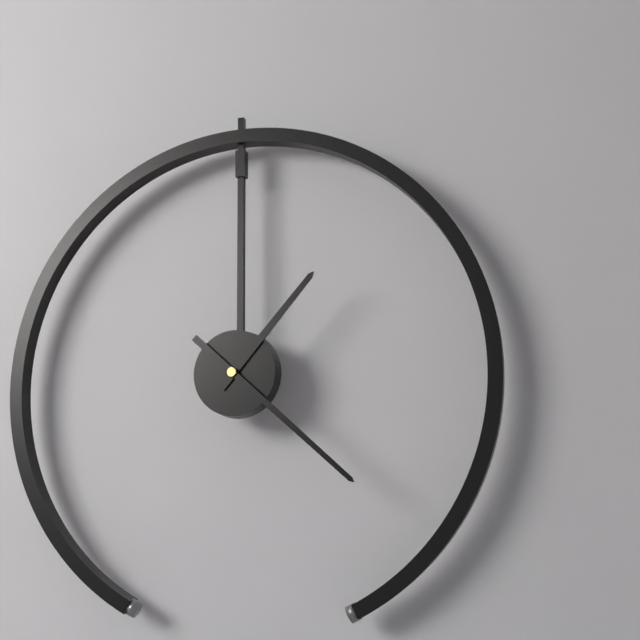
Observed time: 1:22
